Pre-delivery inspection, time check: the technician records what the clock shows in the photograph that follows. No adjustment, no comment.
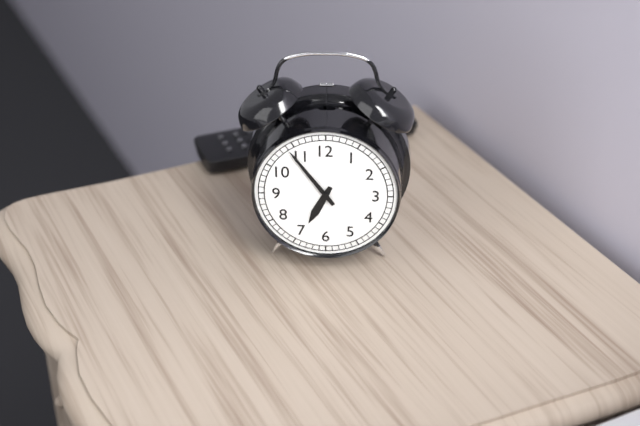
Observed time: 6:54
